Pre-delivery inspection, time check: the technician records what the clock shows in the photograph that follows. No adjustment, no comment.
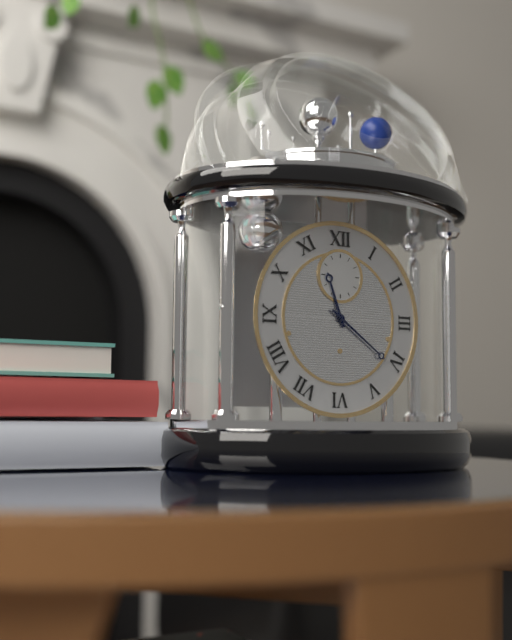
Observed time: 11:21
